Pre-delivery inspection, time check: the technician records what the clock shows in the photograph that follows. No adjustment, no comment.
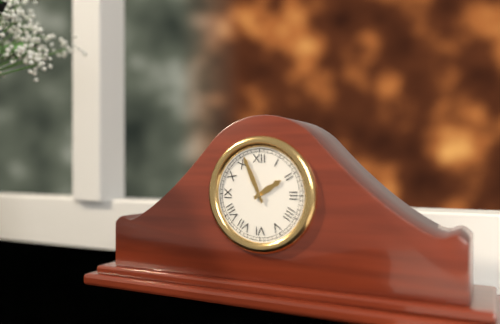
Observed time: 1:56
